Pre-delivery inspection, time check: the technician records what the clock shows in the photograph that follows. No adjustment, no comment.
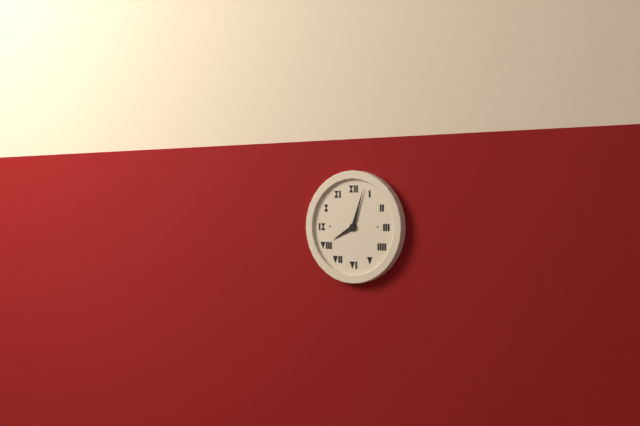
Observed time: 8:03
